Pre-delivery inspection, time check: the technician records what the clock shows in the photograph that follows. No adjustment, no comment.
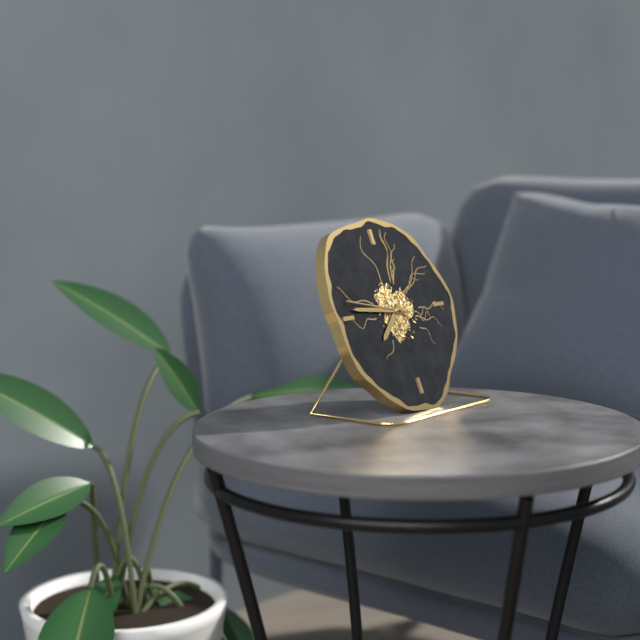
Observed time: 7:46:47
